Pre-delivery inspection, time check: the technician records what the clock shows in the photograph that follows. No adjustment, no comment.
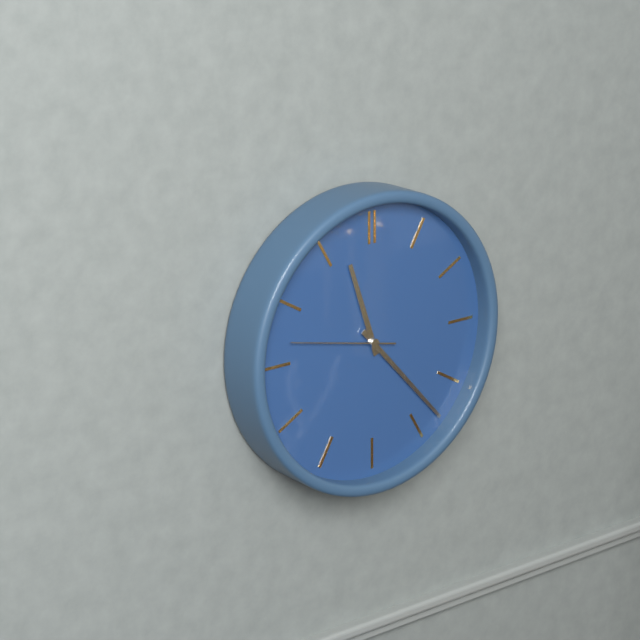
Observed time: 11:23:47
